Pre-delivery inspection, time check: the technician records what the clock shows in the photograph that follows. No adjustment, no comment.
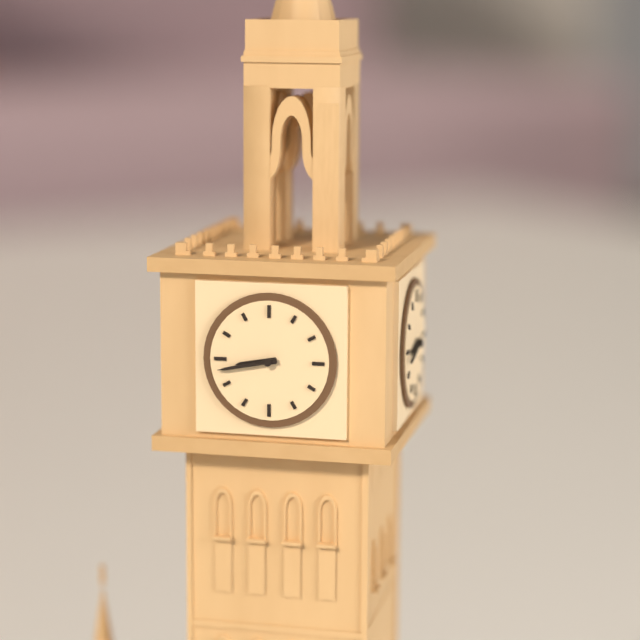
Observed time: 8:43
